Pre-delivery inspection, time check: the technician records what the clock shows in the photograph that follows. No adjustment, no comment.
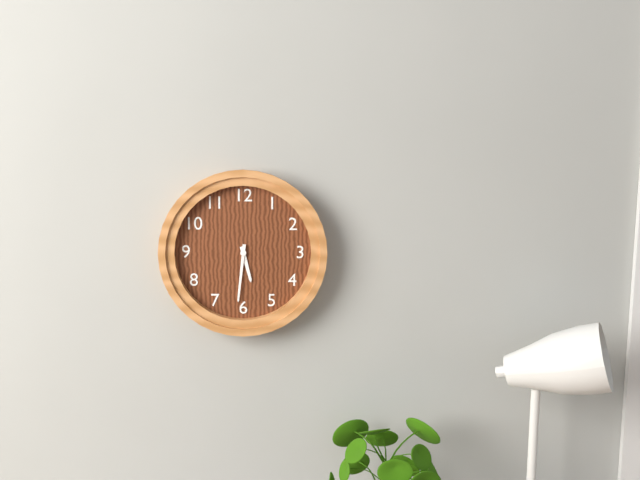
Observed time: 5:31
